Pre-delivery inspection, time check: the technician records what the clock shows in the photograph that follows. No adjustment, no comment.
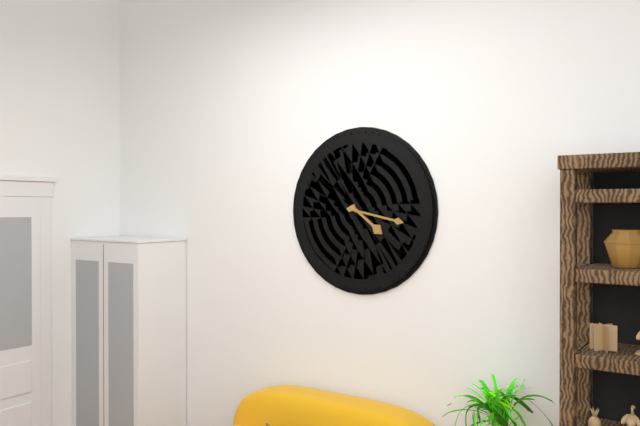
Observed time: 4:17
